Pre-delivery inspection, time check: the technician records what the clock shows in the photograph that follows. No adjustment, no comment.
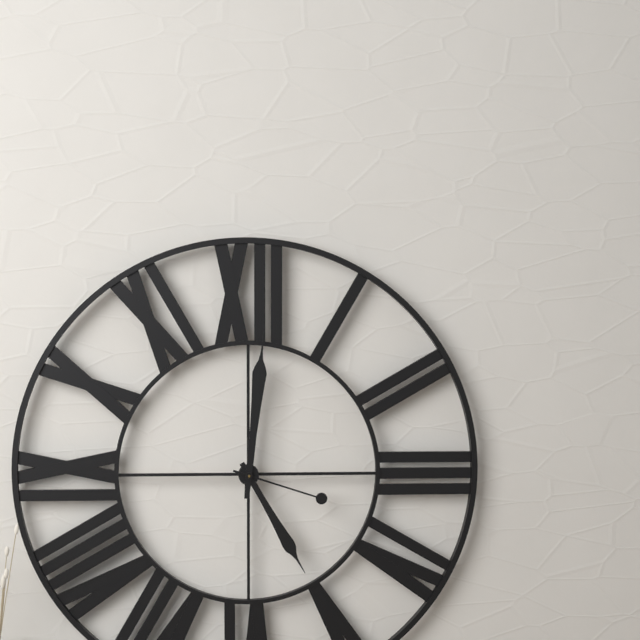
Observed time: 5:01:18
